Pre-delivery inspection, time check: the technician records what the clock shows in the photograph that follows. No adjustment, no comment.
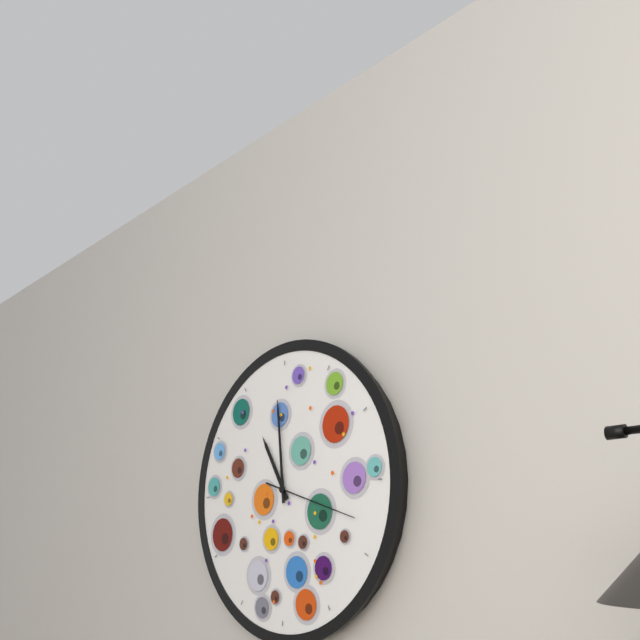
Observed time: 10:59:18
